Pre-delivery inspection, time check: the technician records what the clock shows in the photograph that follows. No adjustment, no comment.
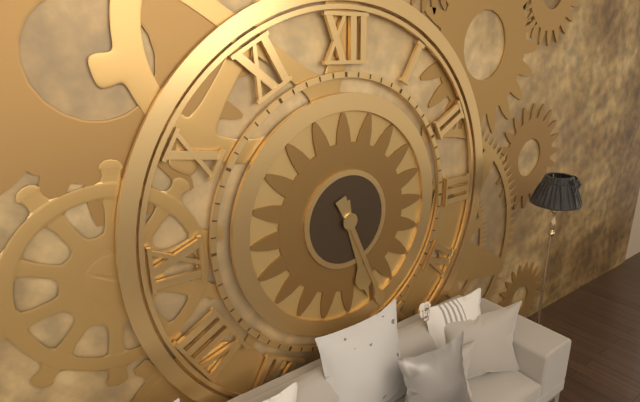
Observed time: 5:26
